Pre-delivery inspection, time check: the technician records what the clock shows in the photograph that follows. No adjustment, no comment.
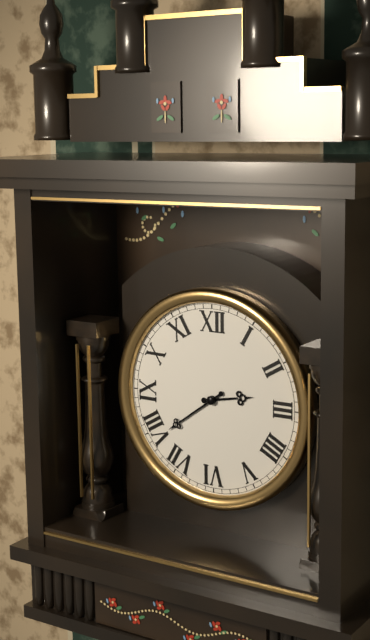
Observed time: 2:39
